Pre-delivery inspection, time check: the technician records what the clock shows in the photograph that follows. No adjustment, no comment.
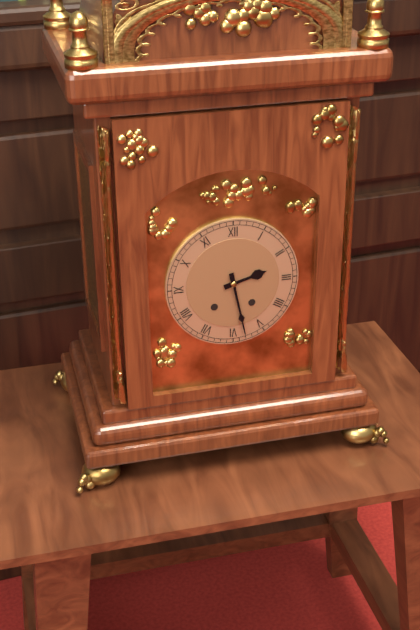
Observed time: 2:28
